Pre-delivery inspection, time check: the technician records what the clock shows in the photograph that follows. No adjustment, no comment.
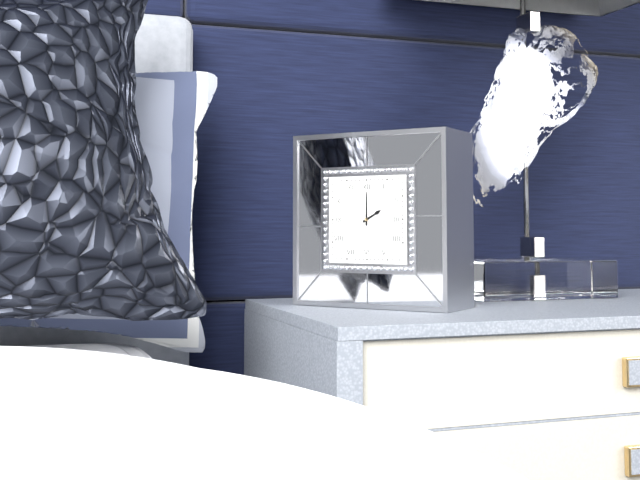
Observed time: 2:00
